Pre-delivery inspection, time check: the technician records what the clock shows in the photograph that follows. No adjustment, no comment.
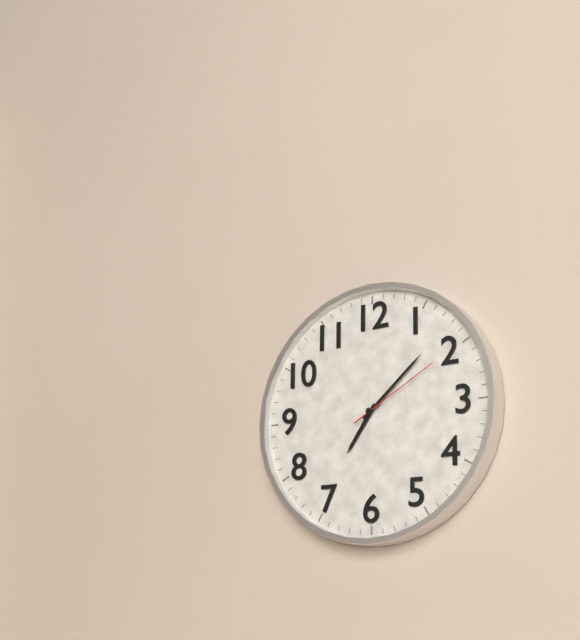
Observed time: 7:08:10
